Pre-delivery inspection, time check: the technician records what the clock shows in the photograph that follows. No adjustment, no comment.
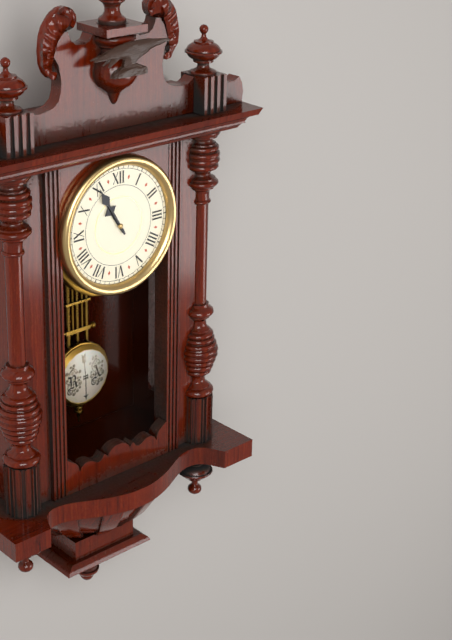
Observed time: 10:55
